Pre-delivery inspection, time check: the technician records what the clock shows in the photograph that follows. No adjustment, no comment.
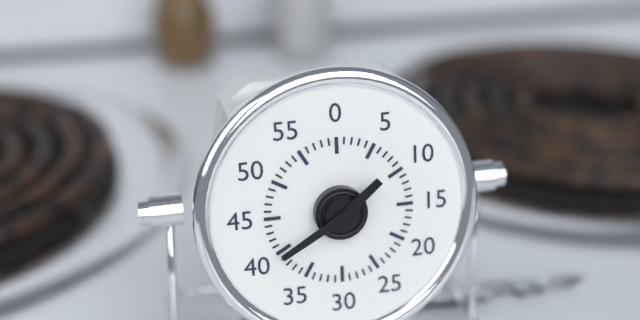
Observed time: 1:40
